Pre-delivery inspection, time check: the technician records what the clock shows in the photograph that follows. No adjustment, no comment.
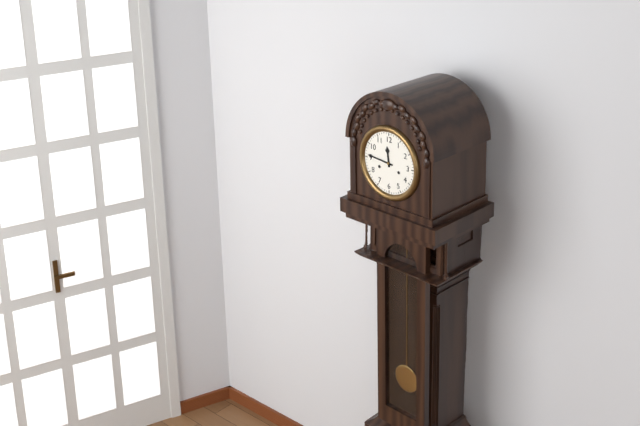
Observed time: 11:46
